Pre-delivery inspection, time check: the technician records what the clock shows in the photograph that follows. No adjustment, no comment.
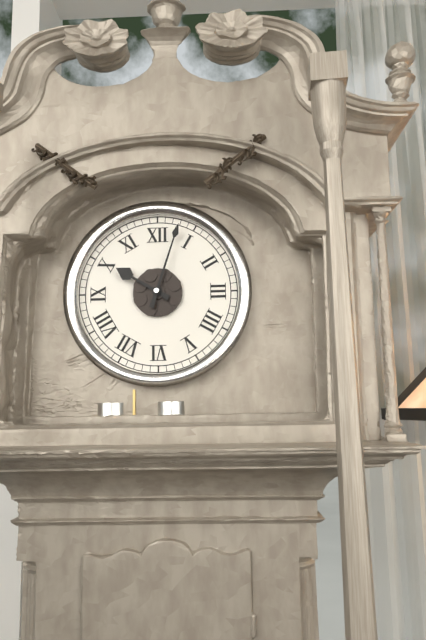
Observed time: 10:03
